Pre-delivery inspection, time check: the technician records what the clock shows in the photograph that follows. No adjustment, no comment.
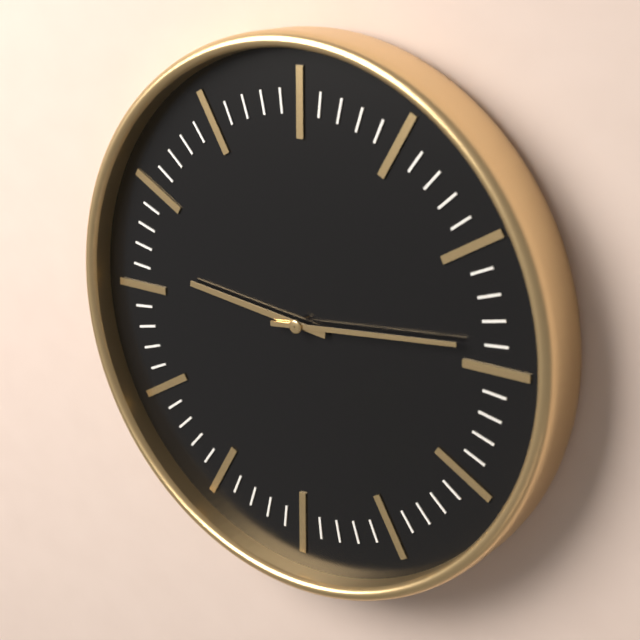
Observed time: 9:14
